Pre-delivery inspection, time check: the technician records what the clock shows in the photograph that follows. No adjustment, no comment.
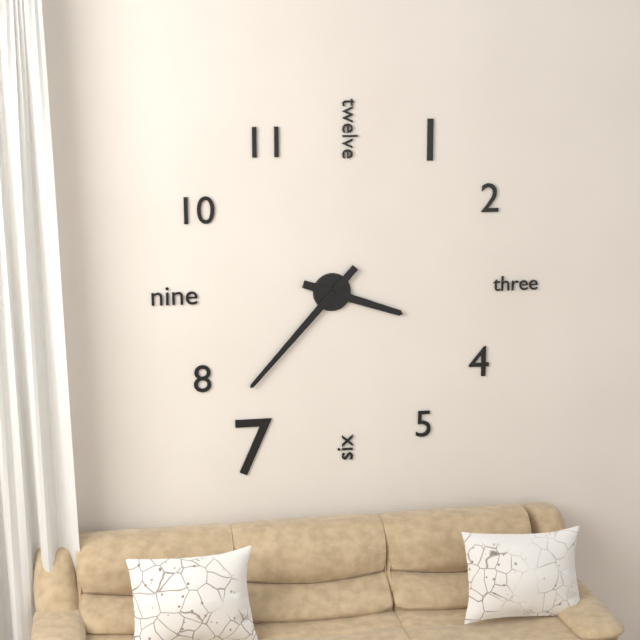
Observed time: 3:37
